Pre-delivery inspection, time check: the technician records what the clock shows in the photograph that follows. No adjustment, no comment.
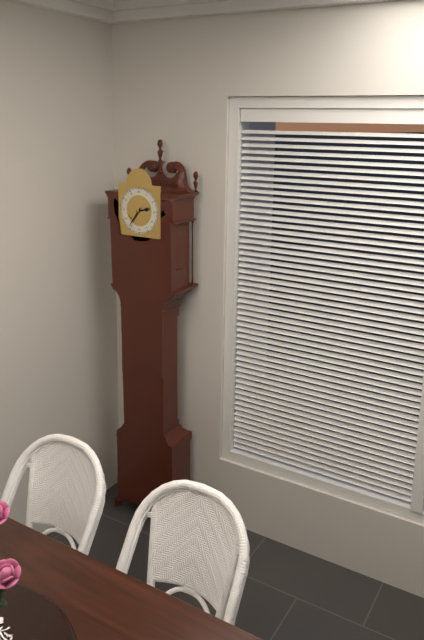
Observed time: 2:36
